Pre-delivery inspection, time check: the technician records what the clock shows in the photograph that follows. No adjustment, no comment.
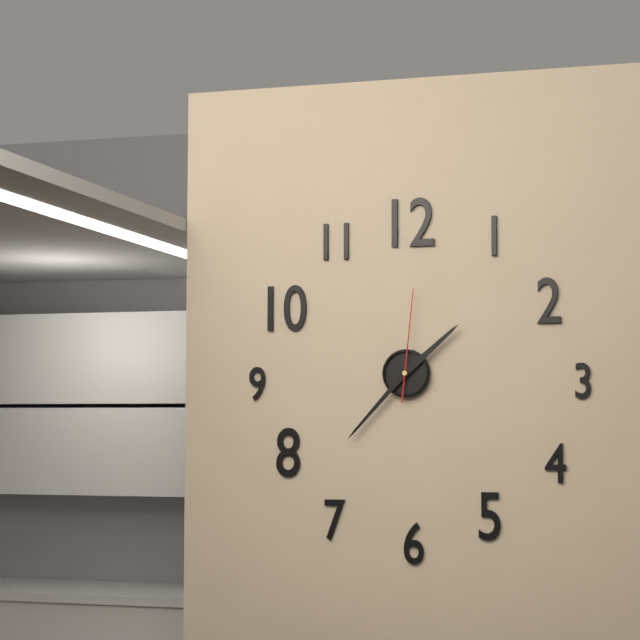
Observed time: 1:37:01
